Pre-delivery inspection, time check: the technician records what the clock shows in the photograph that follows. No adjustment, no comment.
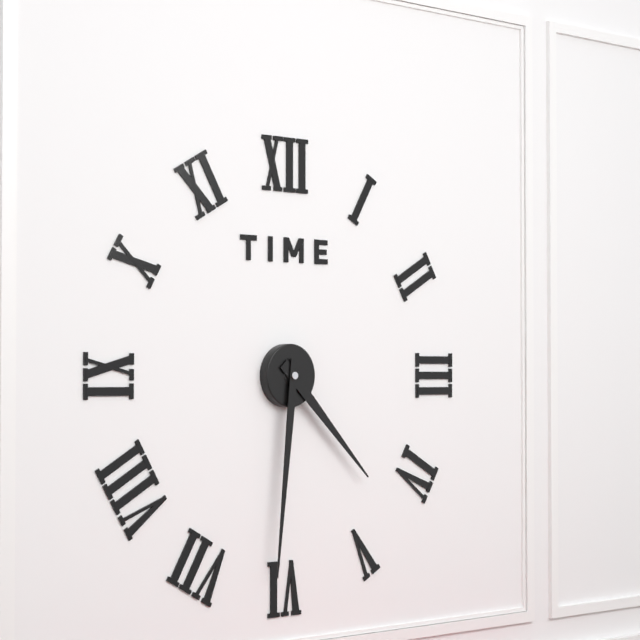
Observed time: 4:31
